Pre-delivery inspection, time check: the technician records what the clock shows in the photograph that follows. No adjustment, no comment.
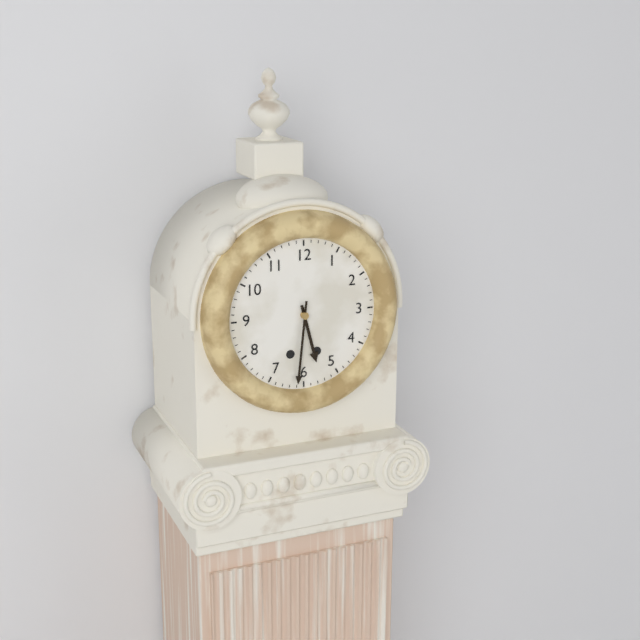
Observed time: 5:31
